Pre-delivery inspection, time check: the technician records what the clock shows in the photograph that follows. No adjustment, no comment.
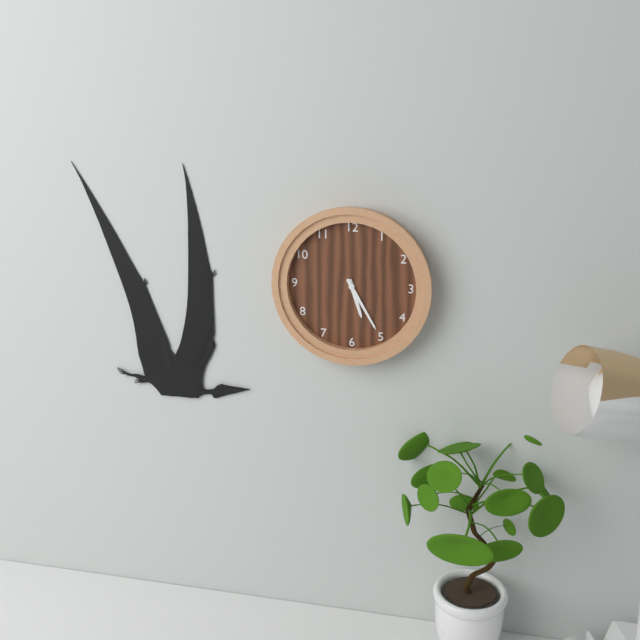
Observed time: 5:25
